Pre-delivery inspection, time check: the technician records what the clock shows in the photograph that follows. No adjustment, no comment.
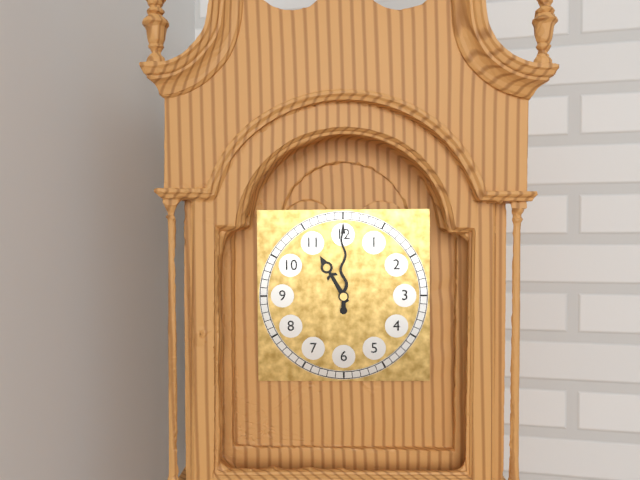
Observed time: 11:00
